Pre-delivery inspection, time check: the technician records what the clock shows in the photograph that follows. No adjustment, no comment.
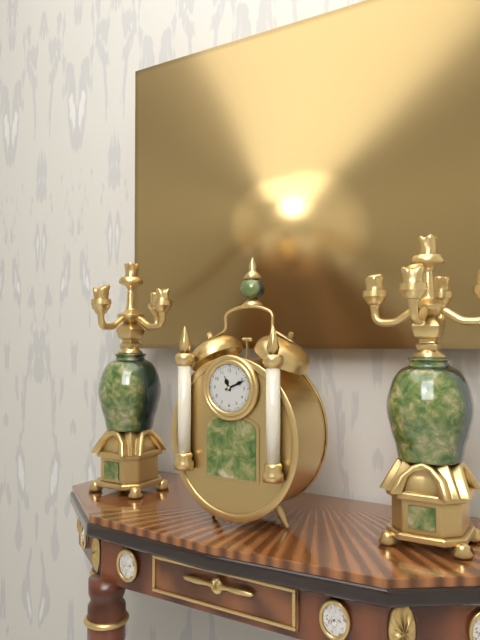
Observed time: 11:11
